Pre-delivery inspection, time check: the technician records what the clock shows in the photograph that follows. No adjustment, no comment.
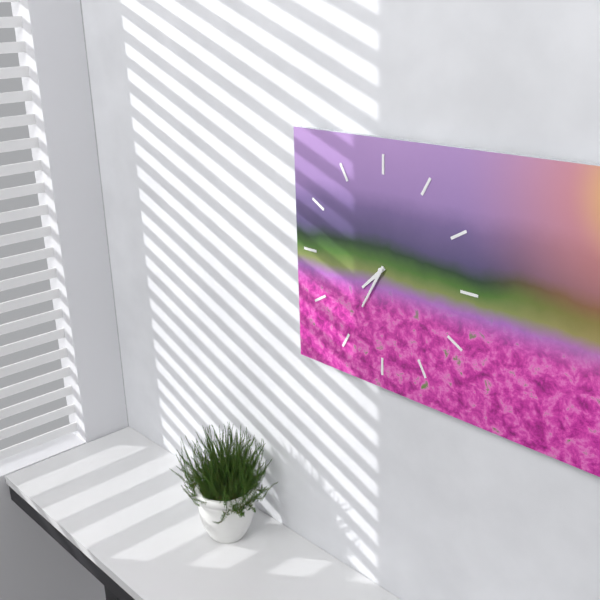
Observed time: 7:35
